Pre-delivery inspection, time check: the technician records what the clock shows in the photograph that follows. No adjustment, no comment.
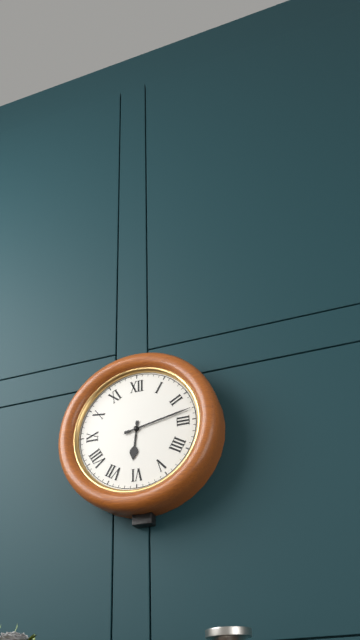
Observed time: 6:13
